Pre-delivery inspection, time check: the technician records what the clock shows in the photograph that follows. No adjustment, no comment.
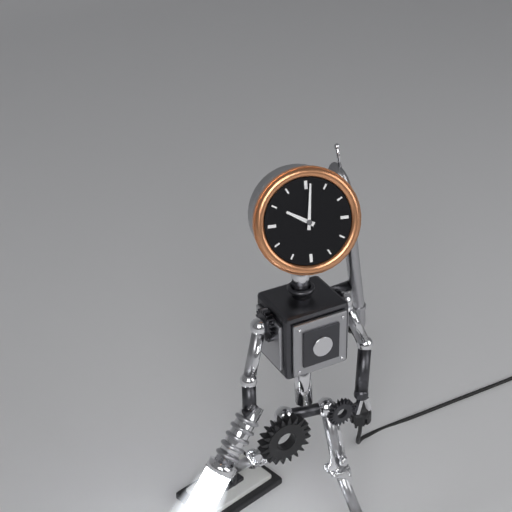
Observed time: 10:01
